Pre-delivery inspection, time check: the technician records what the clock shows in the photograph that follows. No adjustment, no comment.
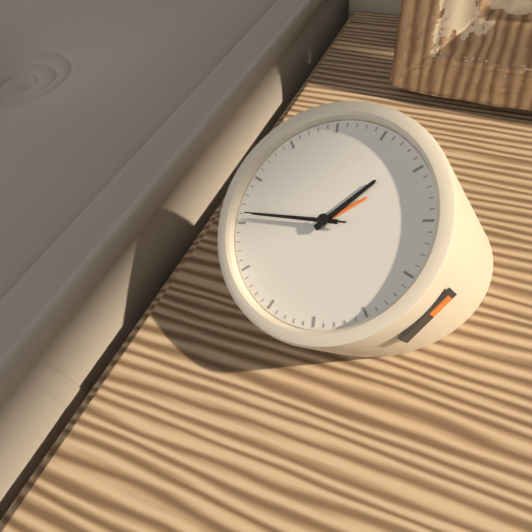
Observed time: 12:41:41
